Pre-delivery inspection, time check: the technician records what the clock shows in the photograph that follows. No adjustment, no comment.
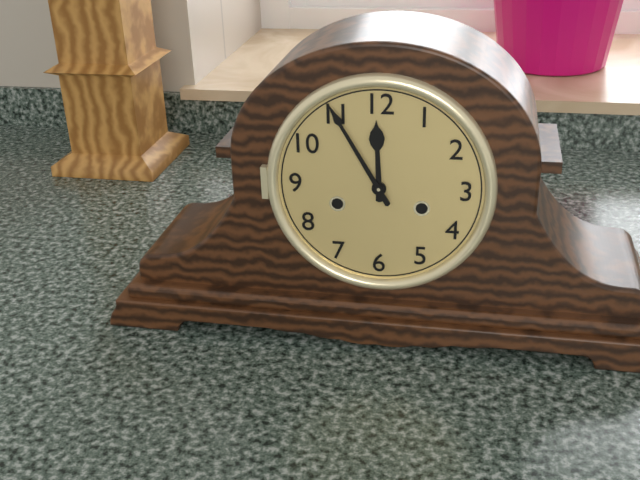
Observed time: 11:55
